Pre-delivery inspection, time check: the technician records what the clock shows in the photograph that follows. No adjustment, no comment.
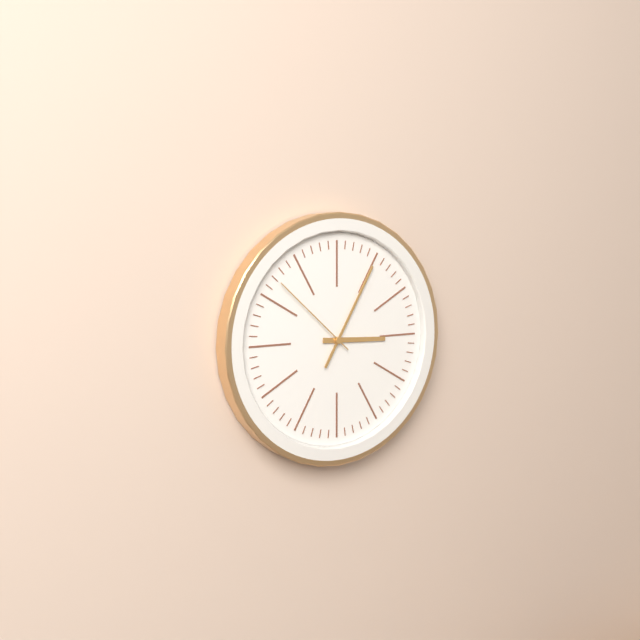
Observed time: 3:05:52
